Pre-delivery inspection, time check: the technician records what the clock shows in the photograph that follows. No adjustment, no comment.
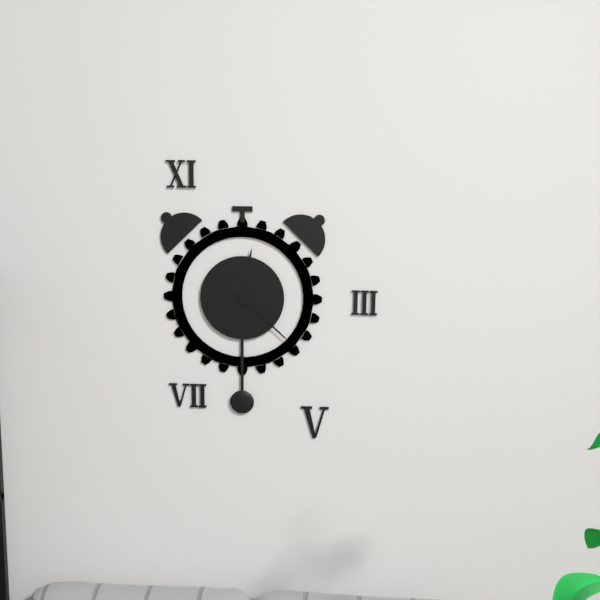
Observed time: 12:22
